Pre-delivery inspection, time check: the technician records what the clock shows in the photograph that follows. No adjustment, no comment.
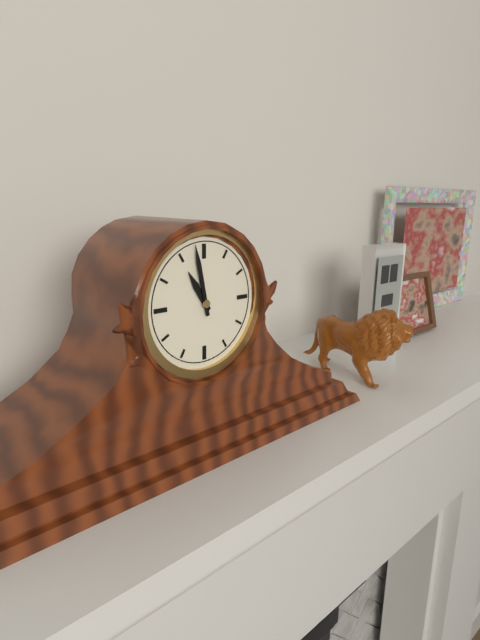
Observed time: 10:58
